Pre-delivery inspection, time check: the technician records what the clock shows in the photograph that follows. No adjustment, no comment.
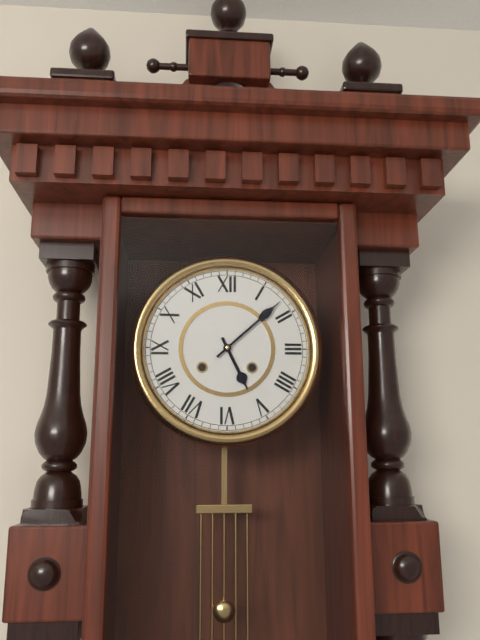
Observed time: 5:08
